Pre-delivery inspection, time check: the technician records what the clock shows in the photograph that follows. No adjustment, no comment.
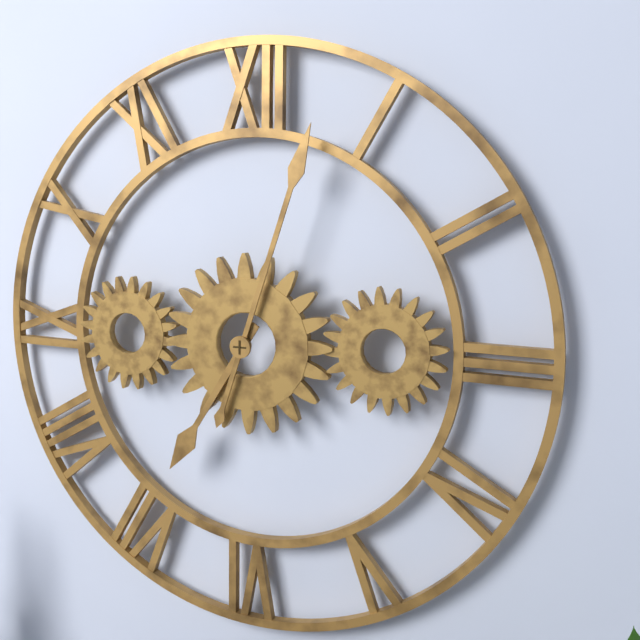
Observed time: 7:03
